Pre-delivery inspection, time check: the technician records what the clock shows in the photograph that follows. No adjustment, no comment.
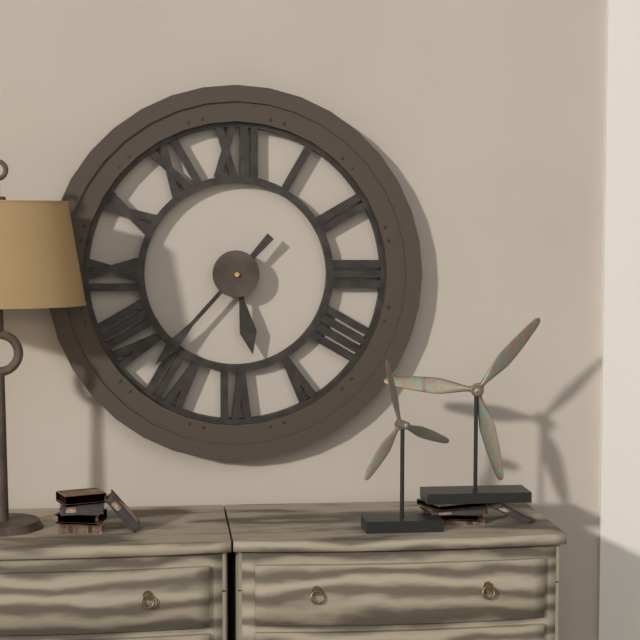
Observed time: 5:37
